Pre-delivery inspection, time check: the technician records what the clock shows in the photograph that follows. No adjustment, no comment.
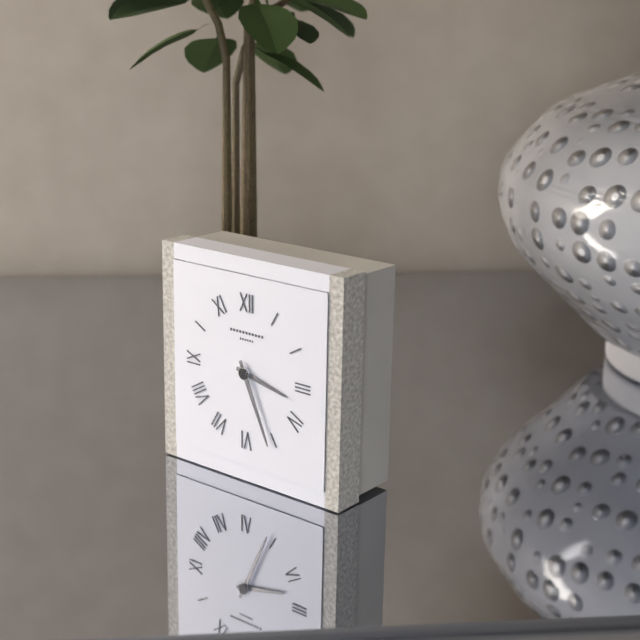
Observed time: 3:26
